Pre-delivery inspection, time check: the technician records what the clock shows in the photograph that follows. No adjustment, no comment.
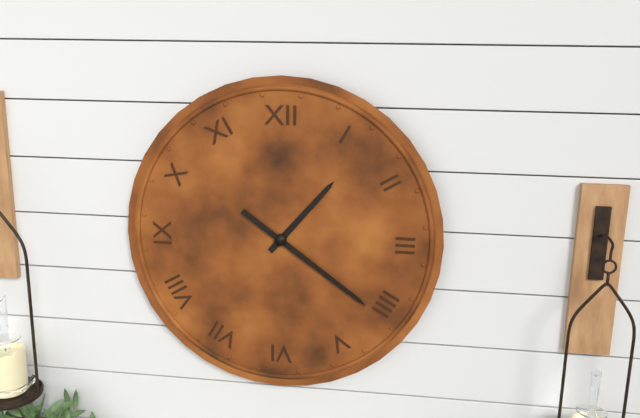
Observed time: 1:21
